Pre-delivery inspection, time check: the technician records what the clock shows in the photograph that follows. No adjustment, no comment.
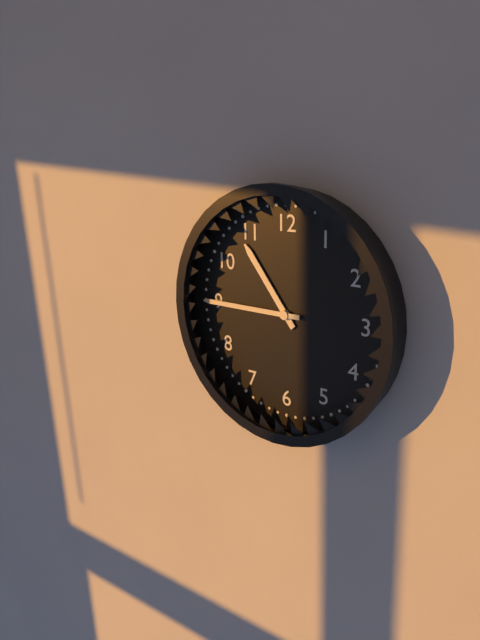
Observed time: 10:45
